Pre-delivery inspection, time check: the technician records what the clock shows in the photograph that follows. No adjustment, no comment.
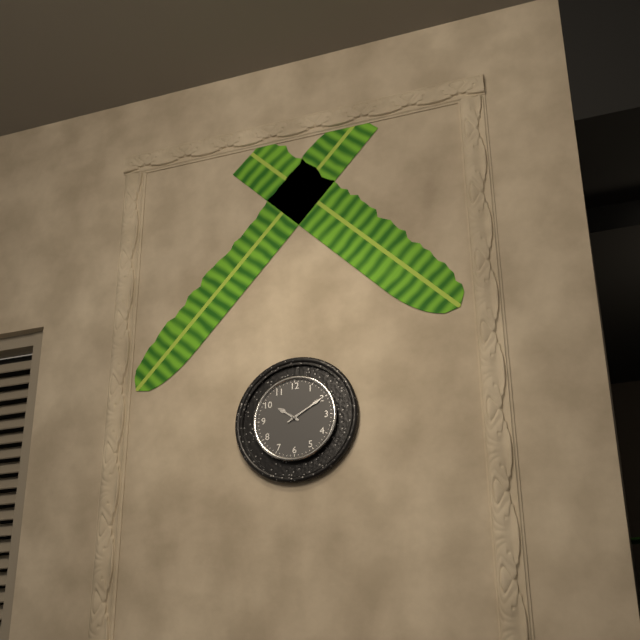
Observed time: 10:10
